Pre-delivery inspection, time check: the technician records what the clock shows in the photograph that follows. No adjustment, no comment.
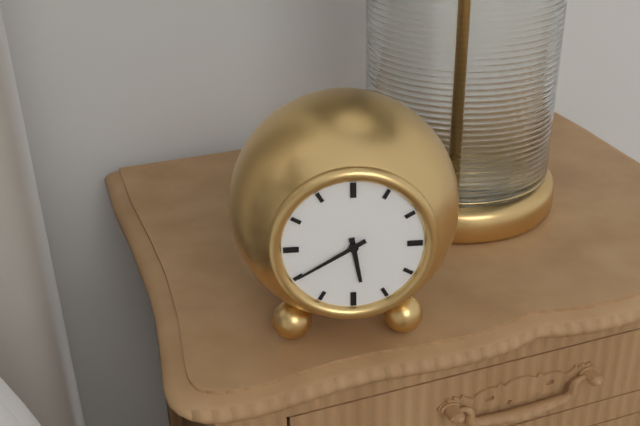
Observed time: 5:40
